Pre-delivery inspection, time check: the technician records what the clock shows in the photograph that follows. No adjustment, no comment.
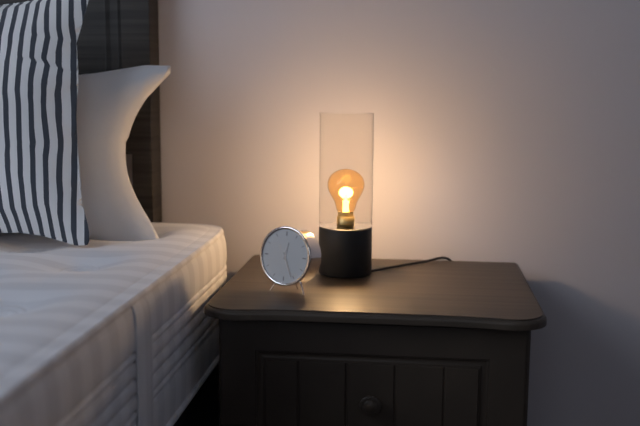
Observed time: 12:26
